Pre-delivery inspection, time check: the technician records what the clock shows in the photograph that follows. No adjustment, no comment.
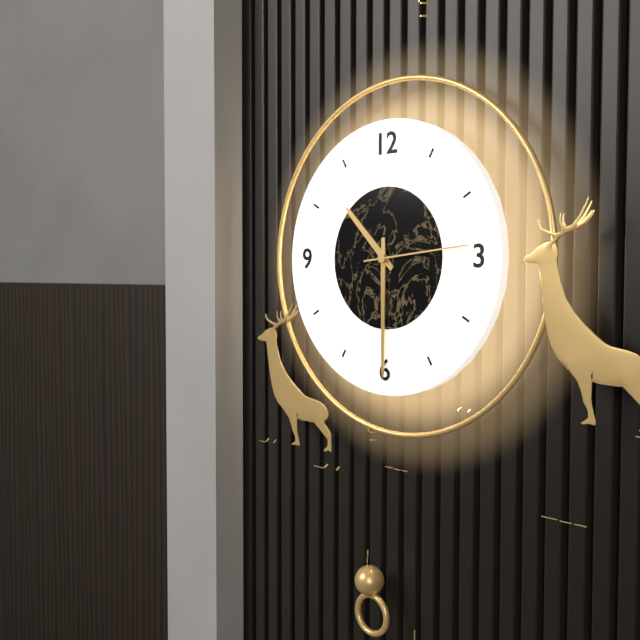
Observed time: 10:30:14
